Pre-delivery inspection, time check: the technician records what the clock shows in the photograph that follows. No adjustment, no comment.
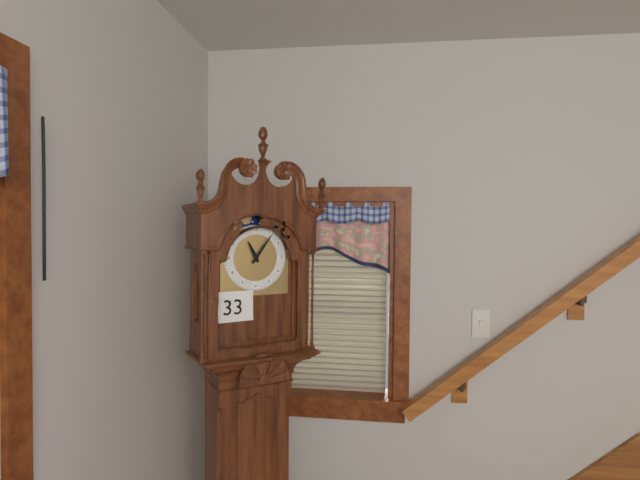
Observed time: 11:06
